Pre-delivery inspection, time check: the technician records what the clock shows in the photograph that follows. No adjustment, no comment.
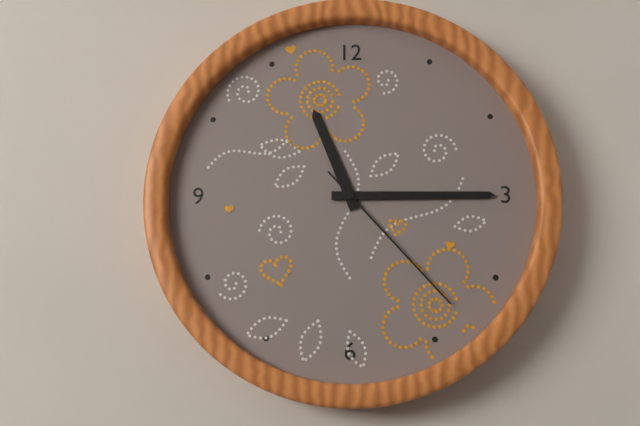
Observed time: 11:15:23
